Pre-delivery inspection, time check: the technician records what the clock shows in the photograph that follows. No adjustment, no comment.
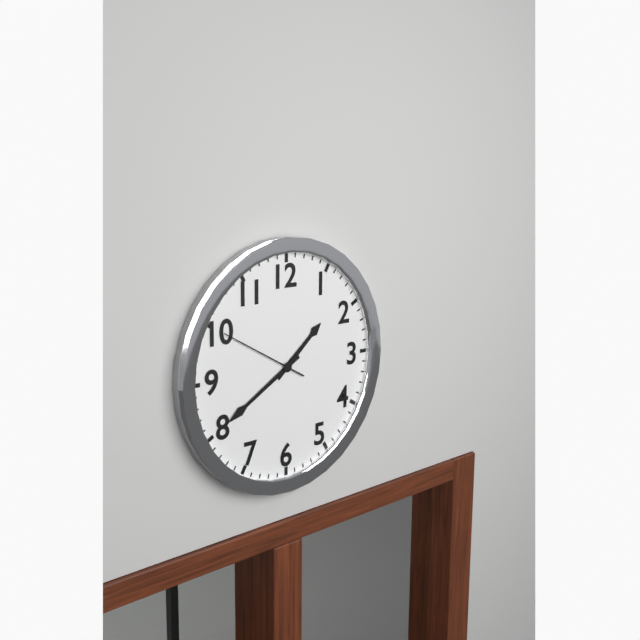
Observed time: 1:40:50
